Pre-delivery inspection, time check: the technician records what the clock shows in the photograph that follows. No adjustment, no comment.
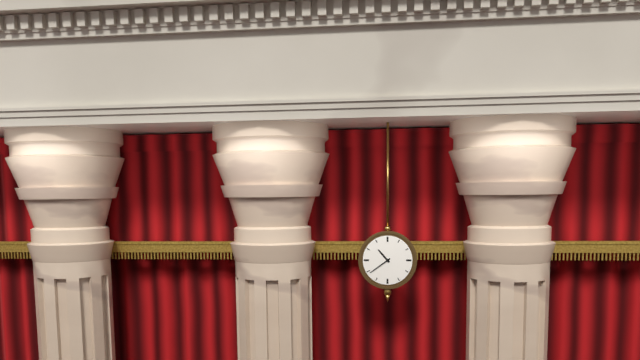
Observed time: 10:39
